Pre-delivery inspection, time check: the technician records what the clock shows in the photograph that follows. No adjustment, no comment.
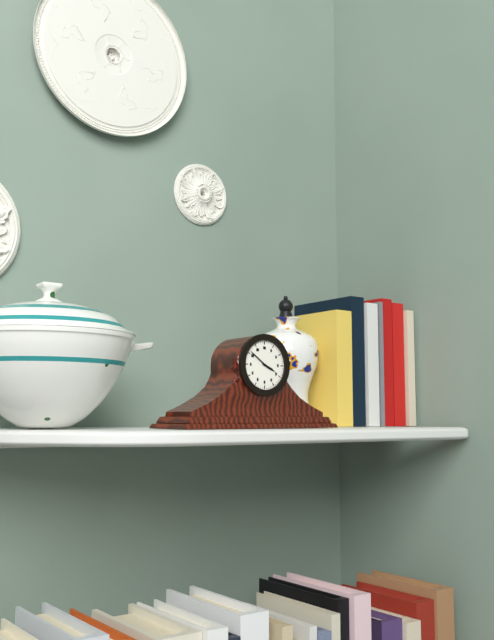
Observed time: 3:51
